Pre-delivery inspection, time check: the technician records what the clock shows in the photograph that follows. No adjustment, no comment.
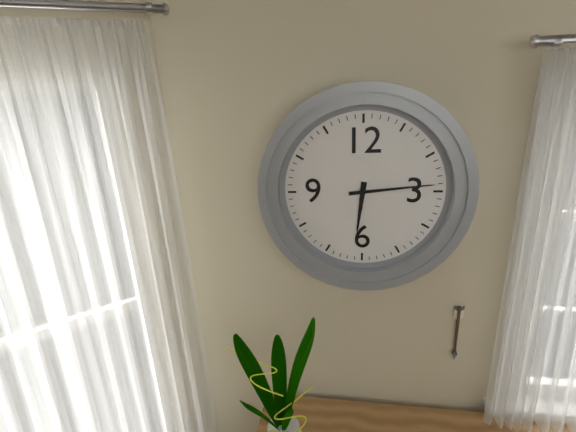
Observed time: 6:14
